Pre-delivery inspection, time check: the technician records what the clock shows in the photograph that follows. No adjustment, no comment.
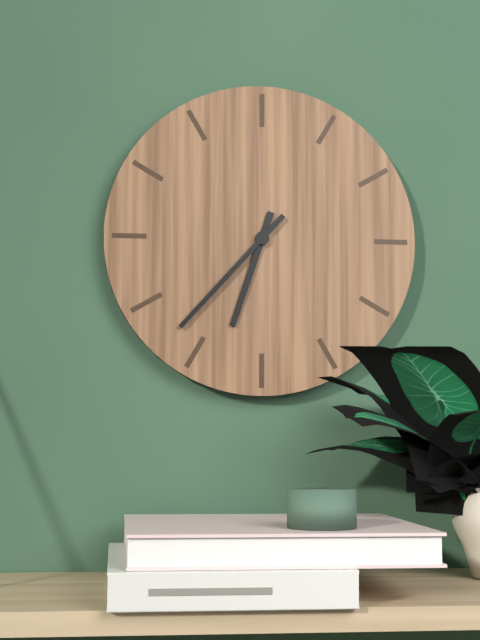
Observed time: 6:37
